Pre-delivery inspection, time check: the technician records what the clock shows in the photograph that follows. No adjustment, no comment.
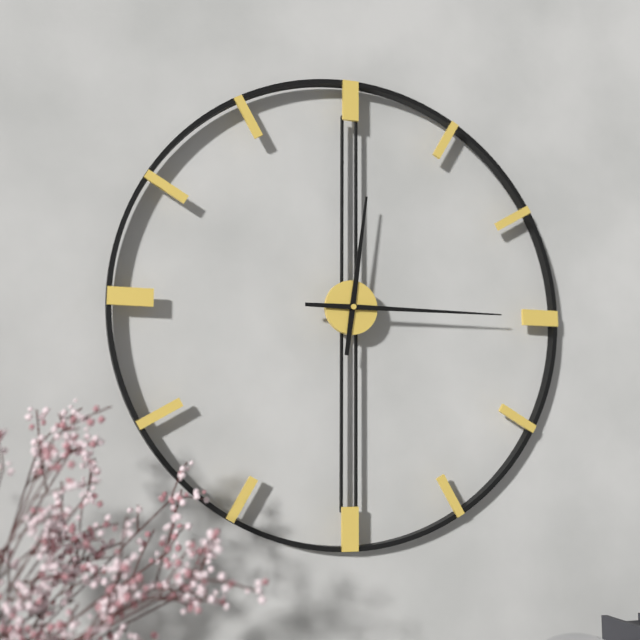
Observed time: 12:15
